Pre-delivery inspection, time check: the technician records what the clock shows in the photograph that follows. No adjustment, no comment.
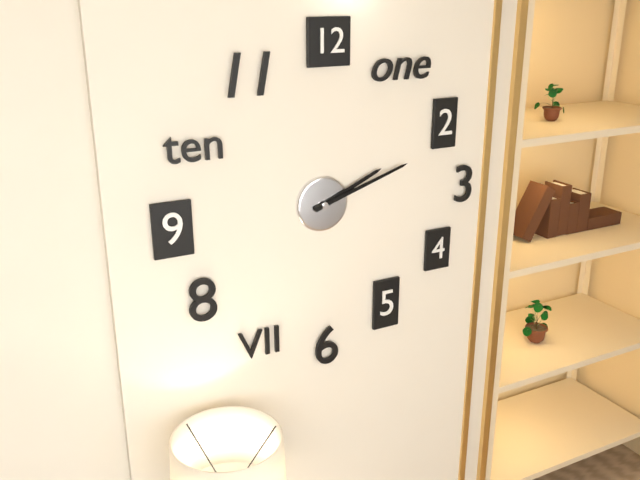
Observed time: 2:12
